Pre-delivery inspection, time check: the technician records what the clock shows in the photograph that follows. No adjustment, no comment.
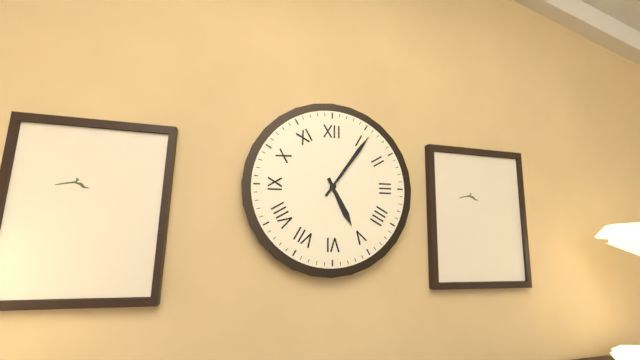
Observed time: 5:06
